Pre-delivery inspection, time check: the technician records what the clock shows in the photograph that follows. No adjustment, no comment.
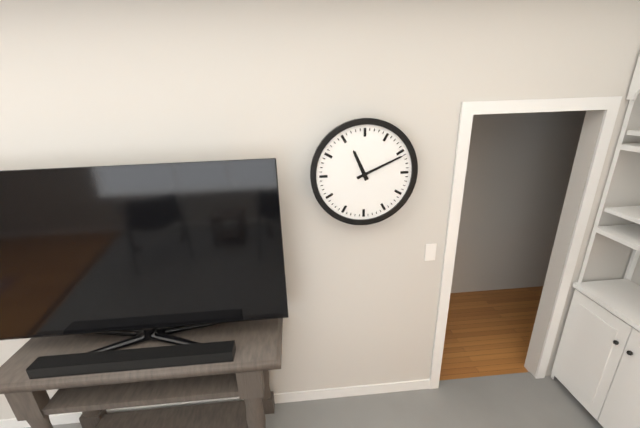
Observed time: 11:11
